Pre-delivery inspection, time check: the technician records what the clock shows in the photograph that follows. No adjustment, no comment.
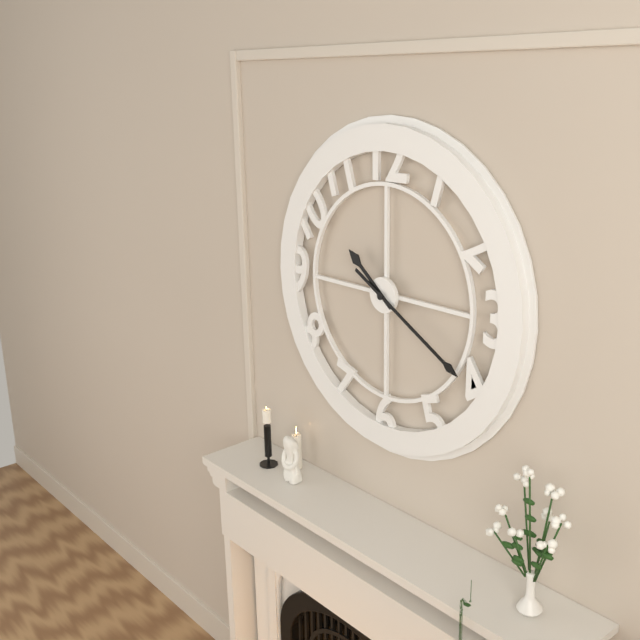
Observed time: 10:20
